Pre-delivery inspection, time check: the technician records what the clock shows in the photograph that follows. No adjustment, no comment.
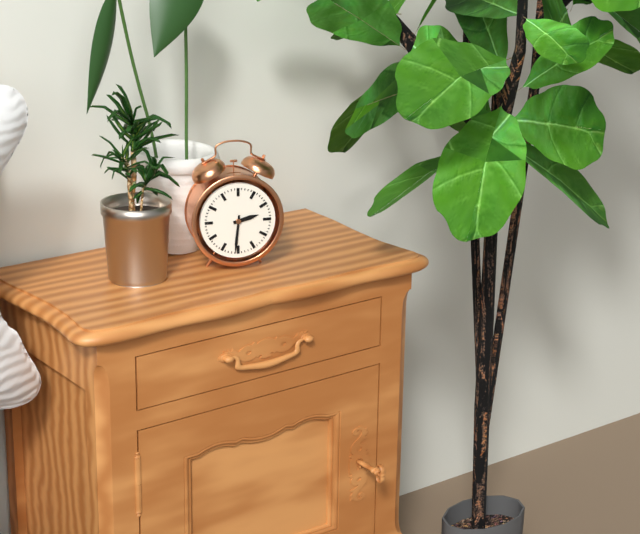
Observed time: 2:31
